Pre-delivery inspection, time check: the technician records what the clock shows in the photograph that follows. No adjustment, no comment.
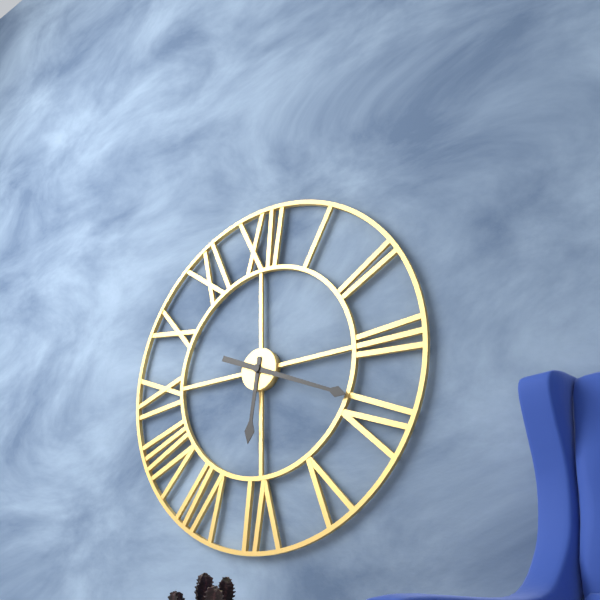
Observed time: 6:19
